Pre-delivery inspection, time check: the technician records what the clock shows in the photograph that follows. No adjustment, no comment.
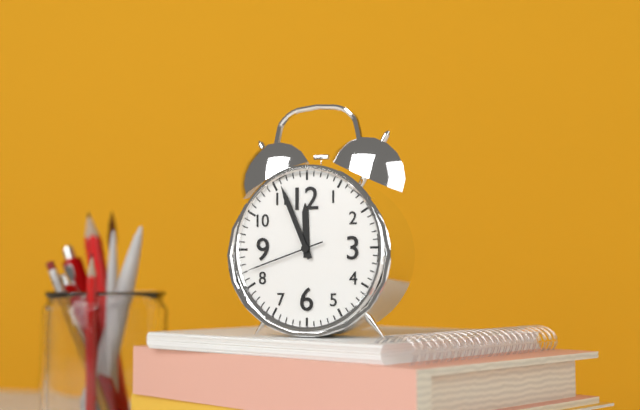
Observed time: 11:56:42
